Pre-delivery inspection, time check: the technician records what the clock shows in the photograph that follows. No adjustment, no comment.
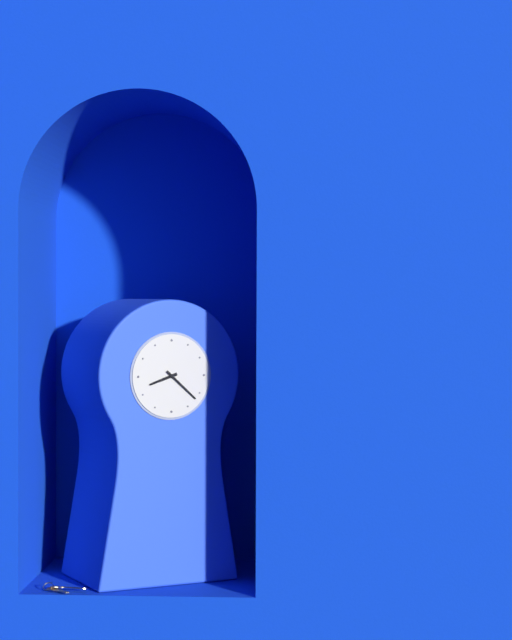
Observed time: 8:22
